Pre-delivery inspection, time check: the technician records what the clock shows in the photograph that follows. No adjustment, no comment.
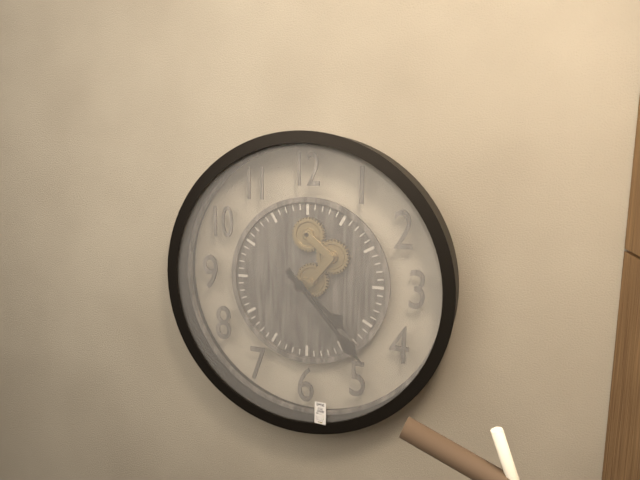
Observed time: 4:23
